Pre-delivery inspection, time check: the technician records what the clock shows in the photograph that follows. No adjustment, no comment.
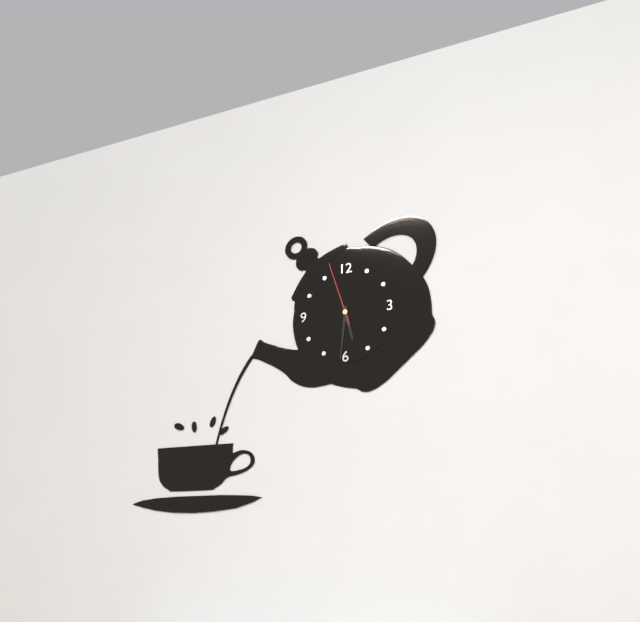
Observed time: 5:31:57
